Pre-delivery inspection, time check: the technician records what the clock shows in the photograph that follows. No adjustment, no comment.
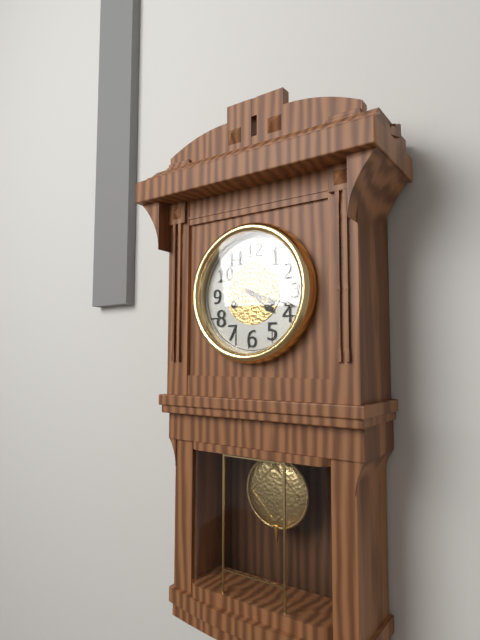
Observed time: 4:18
